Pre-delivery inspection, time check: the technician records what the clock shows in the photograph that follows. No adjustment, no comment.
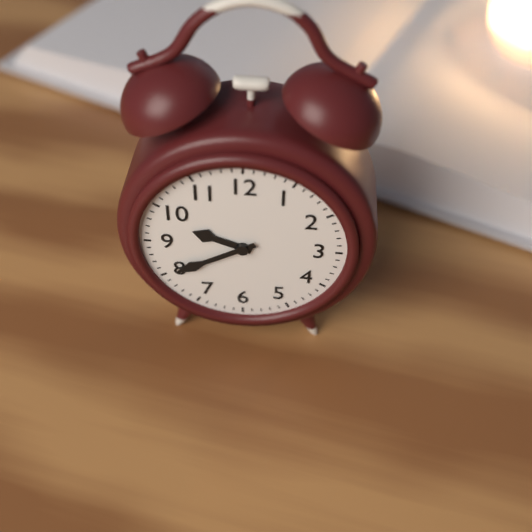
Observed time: 9:40
